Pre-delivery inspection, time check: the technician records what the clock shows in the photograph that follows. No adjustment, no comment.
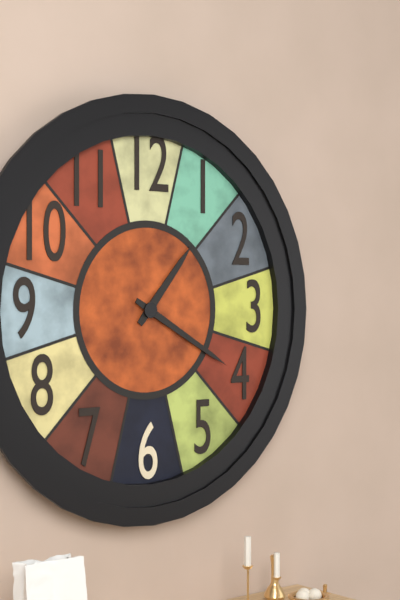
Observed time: 1:20
